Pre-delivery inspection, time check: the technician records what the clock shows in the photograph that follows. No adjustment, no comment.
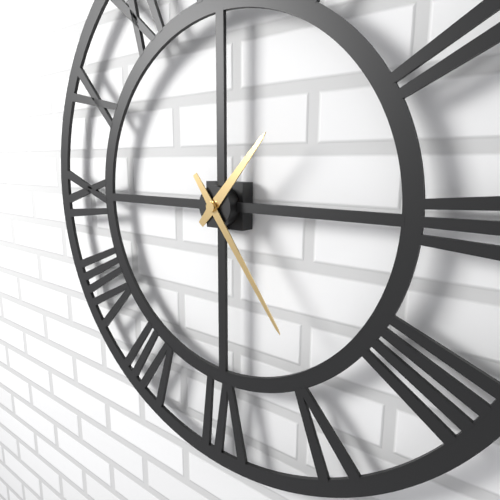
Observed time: 1:24
